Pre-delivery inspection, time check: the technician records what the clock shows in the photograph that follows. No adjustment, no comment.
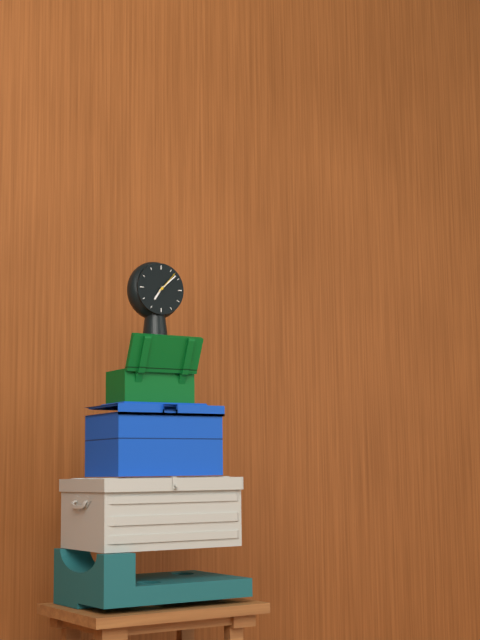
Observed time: 7:08
